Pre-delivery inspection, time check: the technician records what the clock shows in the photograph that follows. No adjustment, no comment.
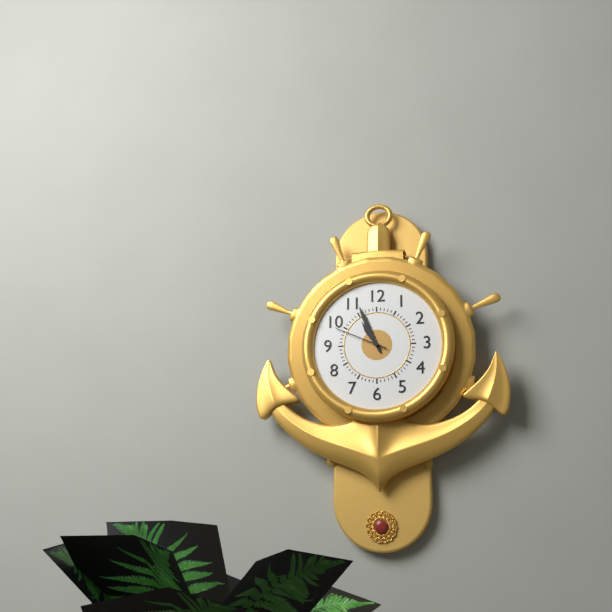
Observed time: 10:56:49
